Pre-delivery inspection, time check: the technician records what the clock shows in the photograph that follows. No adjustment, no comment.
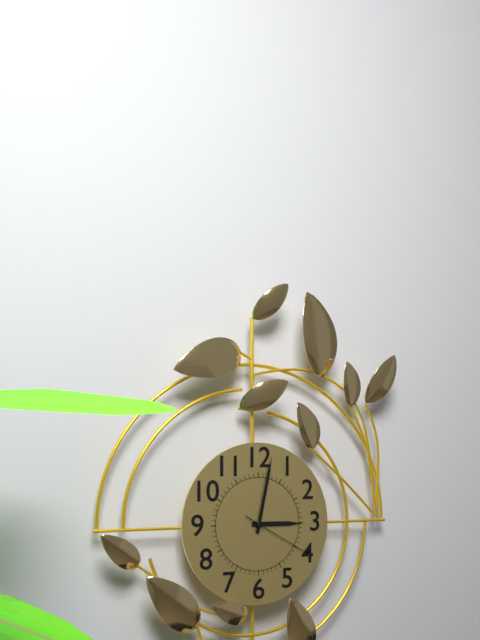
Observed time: 3:02:20
